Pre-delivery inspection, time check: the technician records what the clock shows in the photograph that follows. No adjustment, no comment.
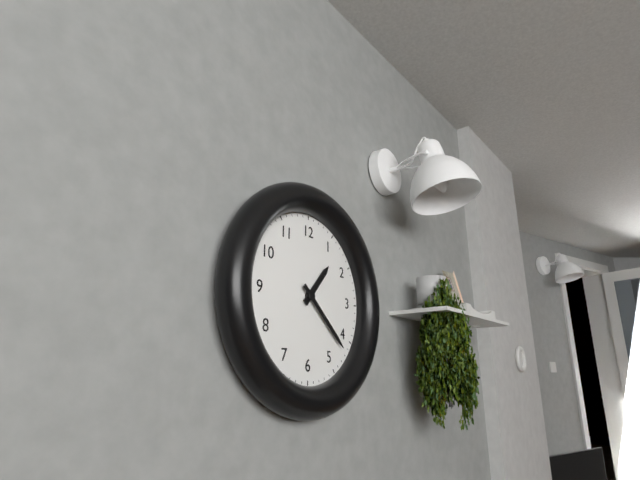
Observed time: 1:22
